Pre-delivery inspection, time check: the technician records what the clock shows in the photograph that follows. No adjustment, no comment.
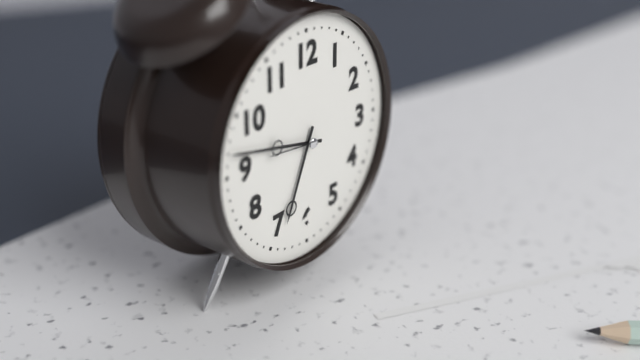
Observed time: 6:47:46
